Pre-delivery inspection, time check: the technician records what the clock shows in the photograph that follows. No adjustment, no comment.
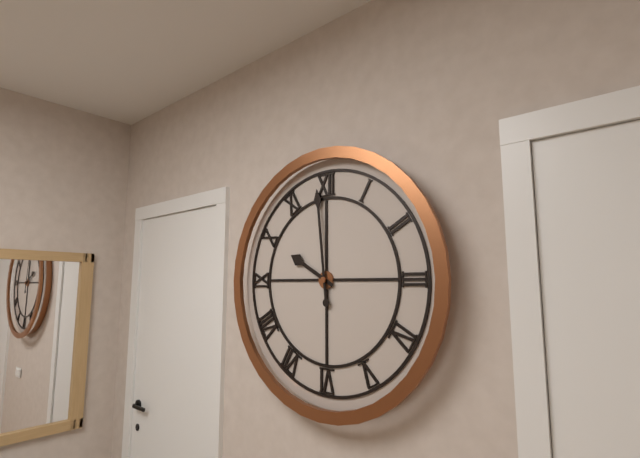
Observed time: 9:59
